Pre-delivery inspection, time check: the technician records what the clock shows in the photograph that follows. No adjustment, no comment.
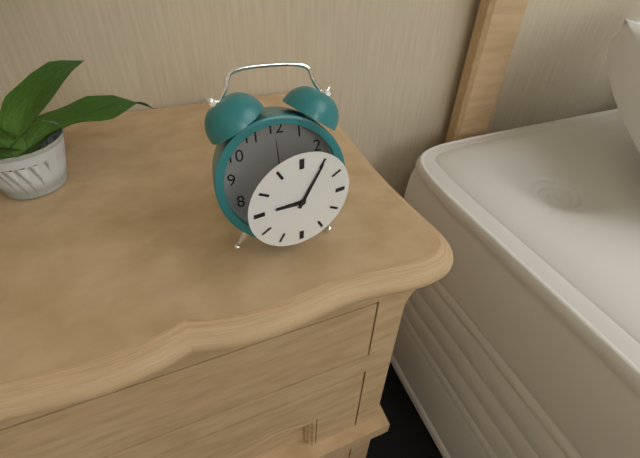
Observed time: 9:05
